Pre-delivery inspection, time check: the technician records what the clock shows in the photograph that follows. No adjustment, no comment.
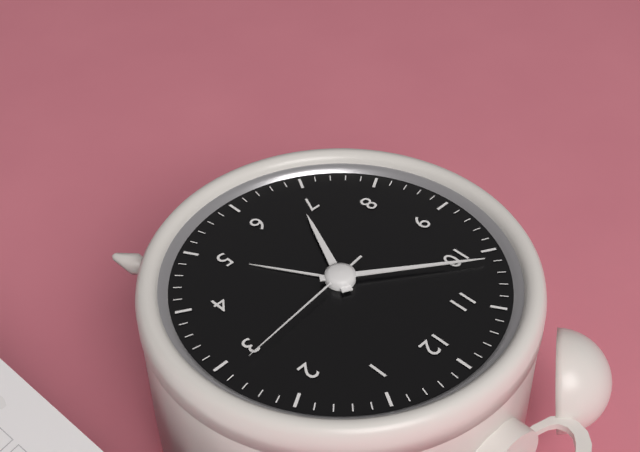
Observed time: 6:51:14
